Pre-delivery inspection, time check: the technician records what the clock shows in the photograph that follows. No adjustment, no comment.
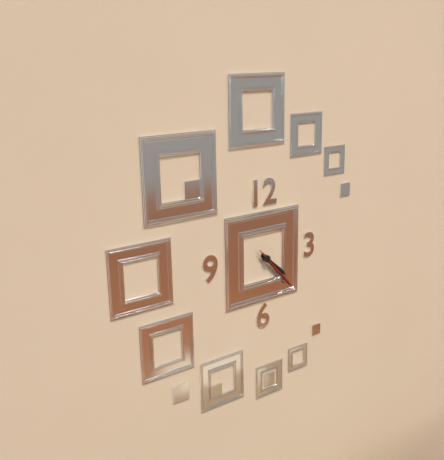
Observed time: 4:23:23
